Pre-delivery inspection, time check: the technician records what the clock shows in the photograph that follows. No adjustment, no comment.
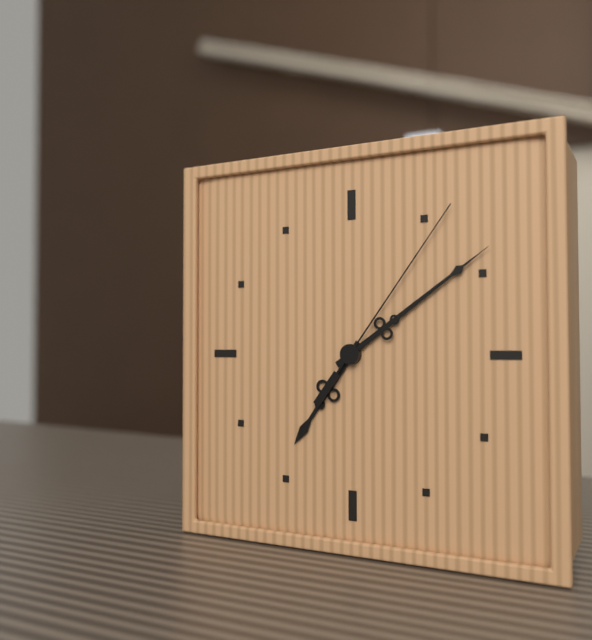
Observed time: 7:09:06
